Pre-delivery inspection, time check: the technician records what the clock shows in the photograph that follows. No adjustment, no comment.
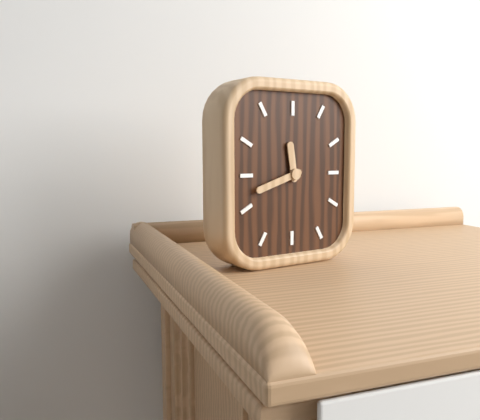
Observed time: 11:42
